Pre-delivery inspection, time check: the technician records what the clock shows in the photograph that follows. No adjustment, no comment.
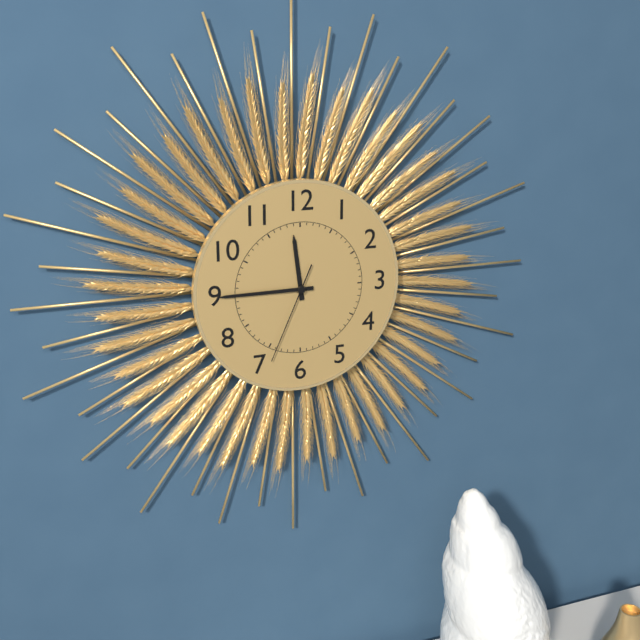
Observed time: 11:45:34
